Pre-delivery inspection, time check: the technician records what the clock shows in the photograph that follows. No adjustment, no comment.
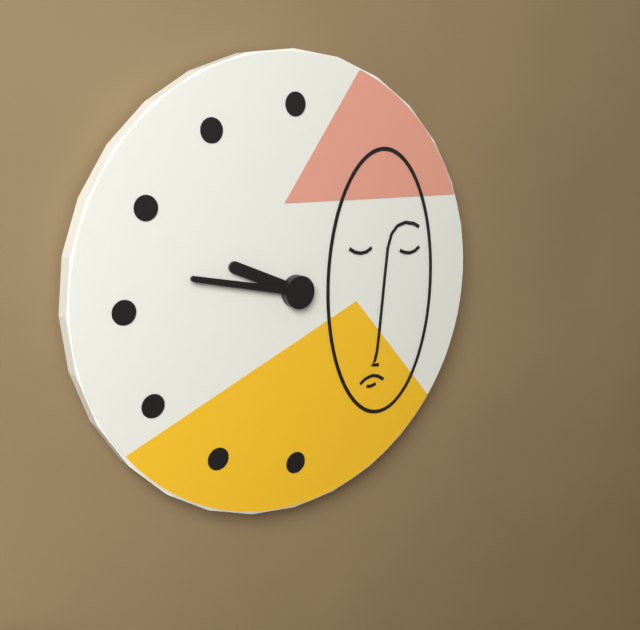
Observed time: 9:47
